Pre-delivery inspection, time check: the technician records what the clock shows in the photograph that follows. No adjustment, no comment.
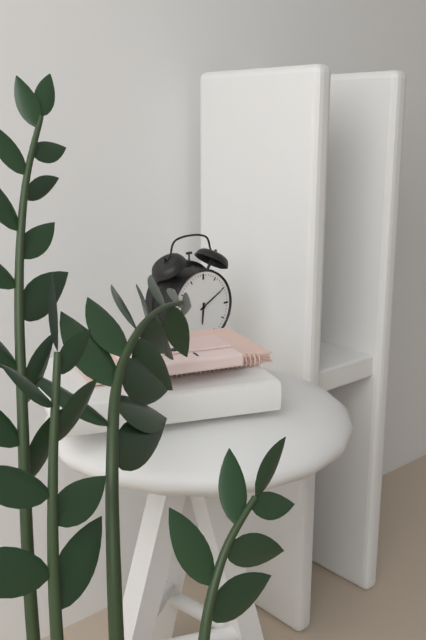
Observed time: 6:10
